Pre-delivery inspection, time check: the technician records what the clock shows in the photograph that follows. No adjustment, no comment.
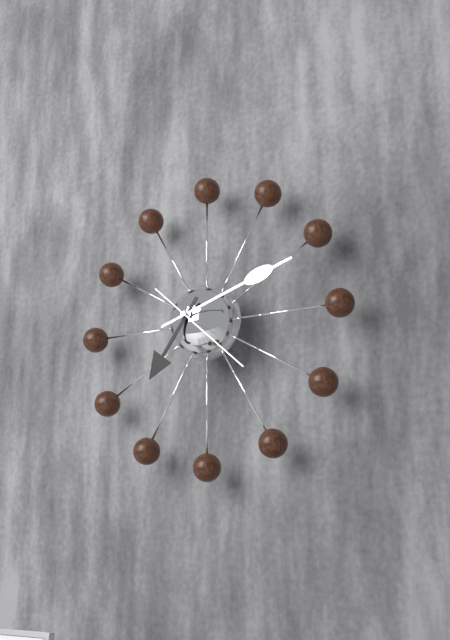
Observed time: 7:12:22
